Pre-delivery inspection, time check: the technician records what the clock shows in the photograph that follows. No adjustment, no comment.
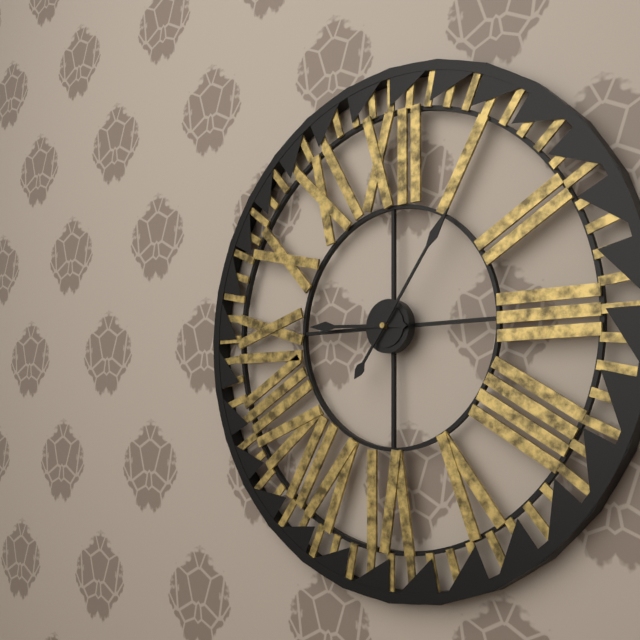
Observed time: 9:06
